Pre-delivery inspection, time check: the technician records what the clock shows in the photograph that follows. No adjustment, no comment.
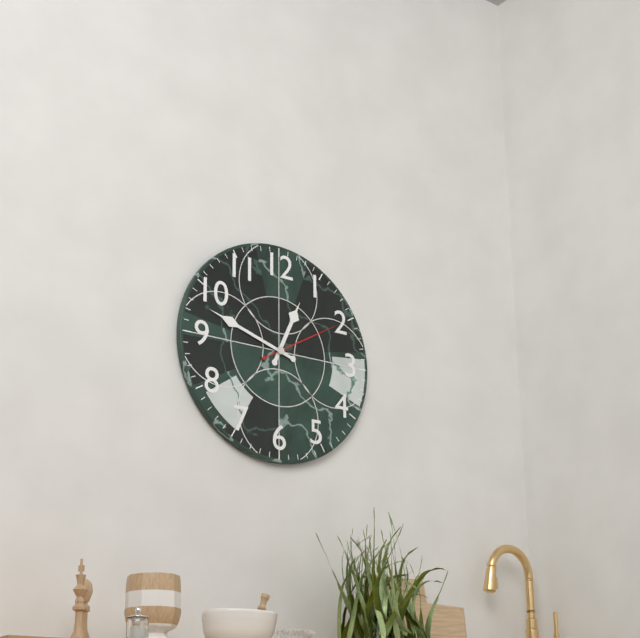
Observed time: 12:48:10
